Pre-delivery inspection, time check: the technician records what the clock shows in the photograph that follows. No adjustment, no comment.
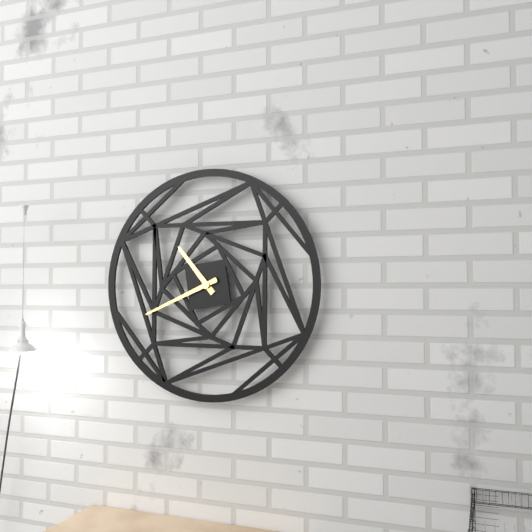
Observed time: 10:41
